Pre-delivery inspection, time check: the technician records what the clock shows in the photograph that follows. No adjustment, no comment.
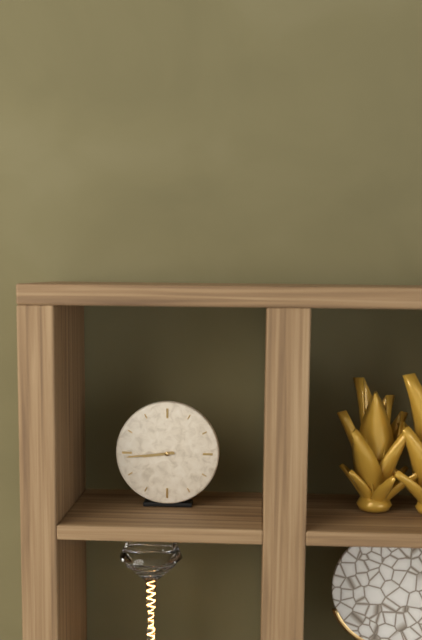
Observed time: 8:44
